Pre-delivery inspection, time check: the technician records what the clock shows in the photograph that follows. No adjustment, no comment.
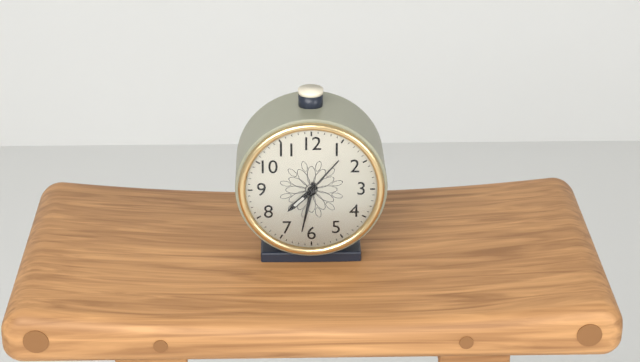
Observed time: 7:32
